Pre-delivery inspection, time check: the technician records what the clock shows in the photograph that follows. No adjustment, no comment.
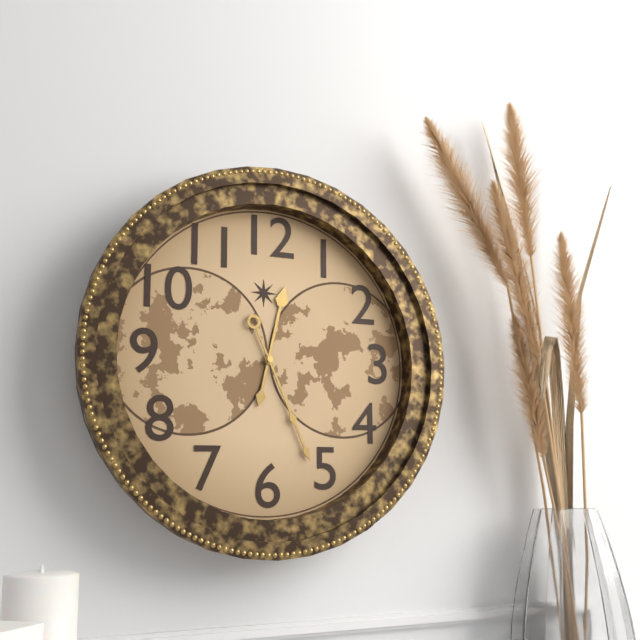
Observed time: 12:26
